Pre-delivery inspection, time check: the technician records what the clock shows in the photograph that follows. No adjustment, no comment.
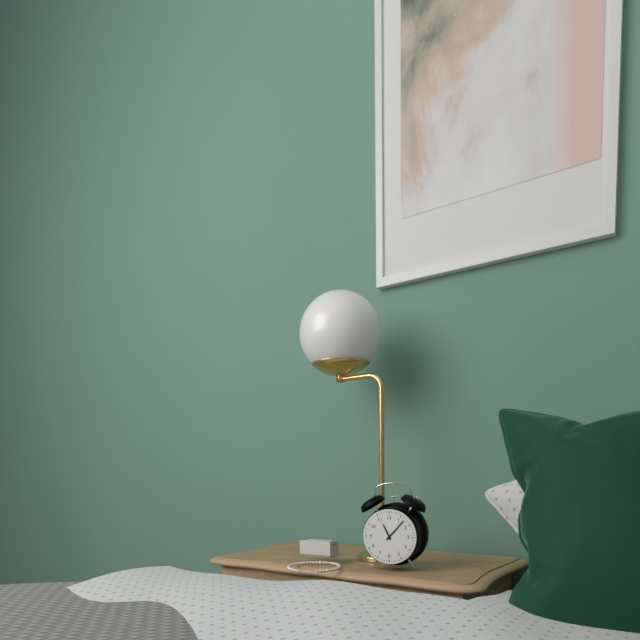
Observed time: 11:07
